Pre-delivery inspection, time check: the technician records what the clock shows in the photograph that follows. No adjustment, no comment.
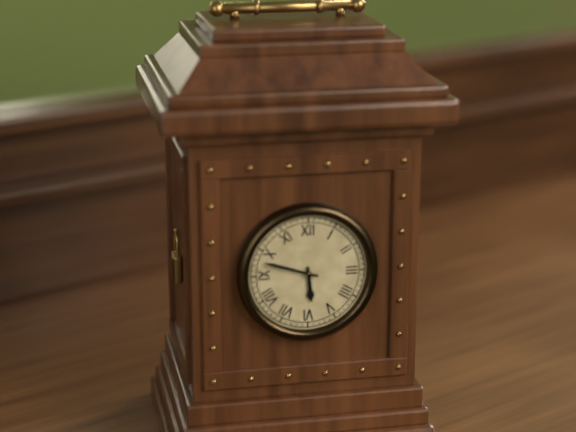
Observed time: 5:48
